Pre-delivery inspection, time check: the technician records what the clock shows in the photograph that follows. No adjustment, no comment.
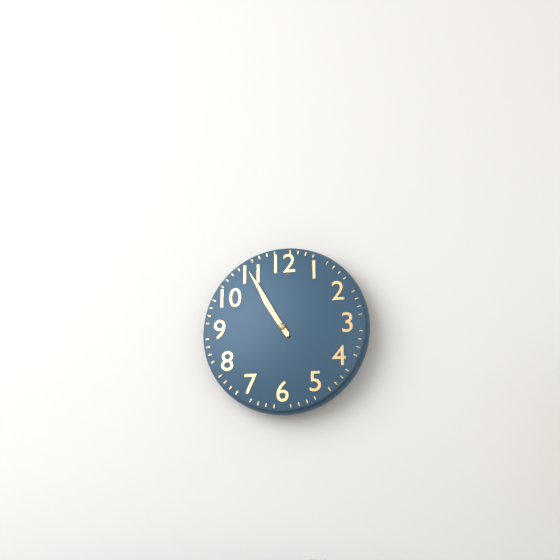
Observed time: 10:55
